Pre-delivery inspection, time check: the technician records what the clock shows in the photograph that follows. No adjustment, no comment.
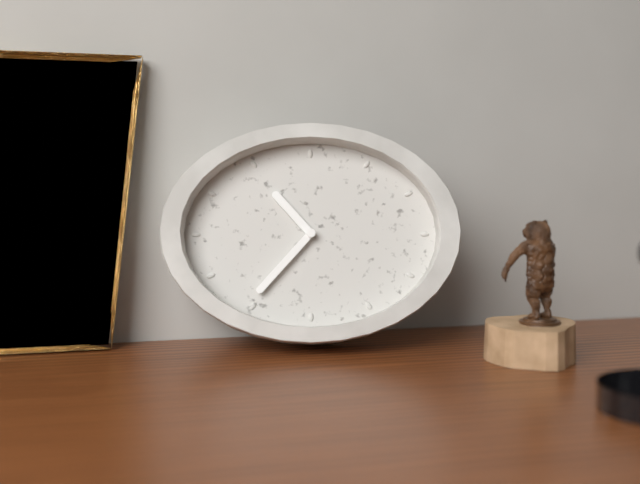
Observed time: 10:37
